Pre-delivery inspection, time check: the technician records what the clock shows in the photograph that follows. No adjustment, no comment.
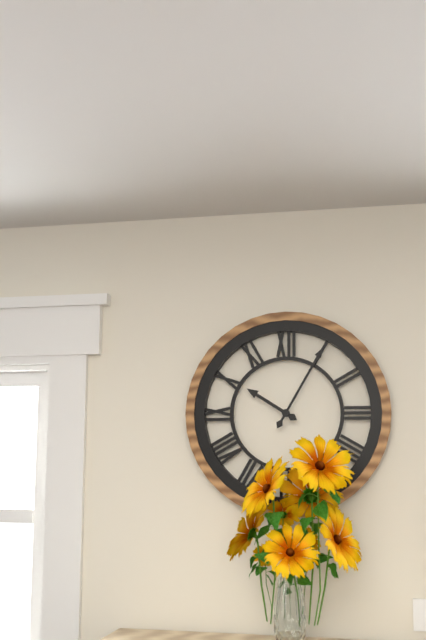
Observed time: 10:05
